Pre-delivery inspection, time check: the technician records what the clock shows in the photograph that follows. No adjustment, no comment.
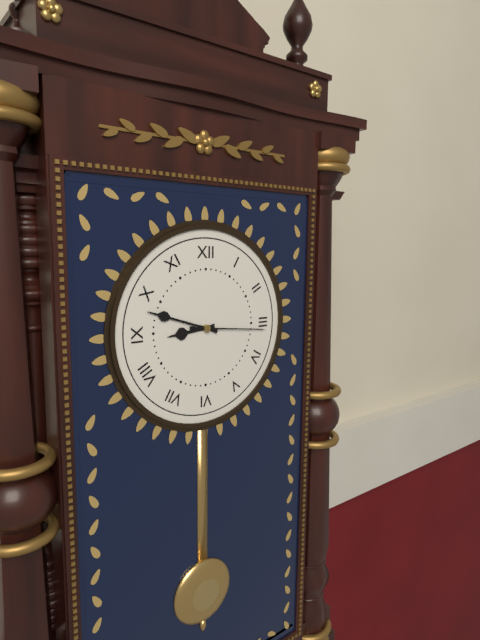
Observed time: 8:48:16
